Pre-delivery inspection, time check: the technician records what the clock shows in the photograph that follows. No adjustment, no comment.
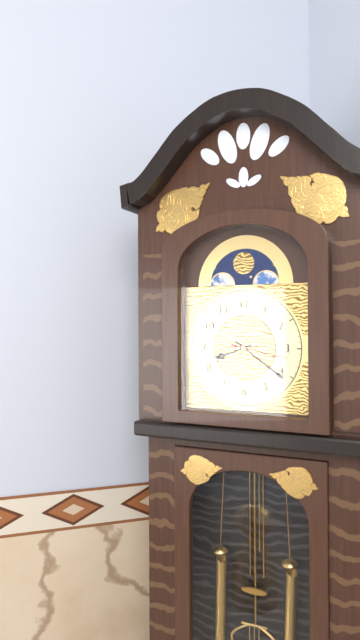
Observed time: 8:21:17
